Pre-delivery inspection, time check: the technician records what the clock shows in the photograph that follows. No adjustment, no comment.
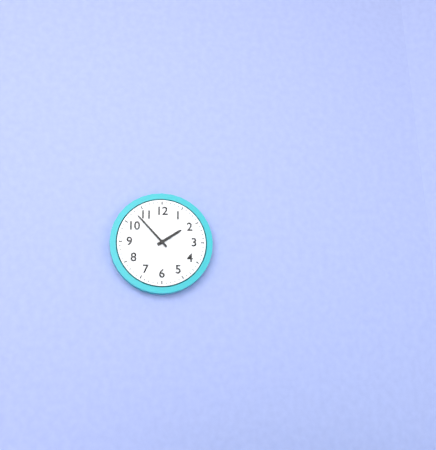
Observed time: 1:53
